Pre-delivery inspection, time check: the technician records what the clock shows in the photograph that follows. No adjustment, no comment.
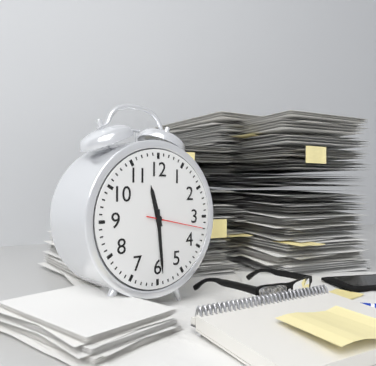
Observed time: 11:29:17
